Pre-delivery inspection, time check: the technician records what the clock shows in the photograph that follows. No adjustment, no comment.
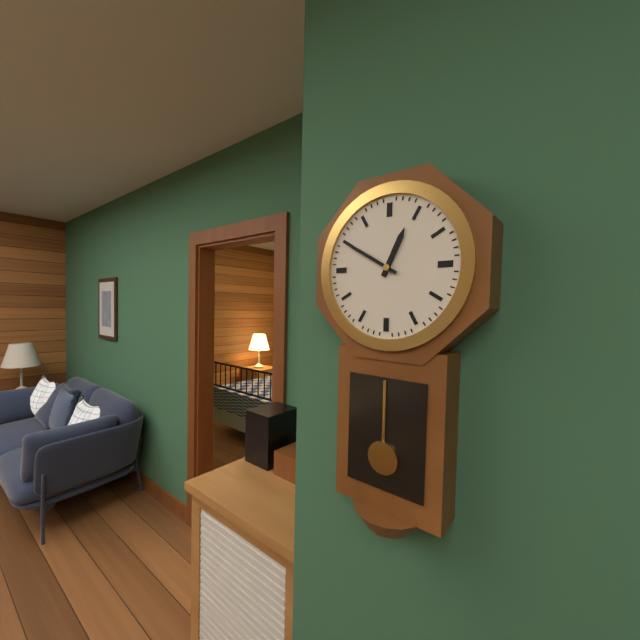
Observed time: 12:50
